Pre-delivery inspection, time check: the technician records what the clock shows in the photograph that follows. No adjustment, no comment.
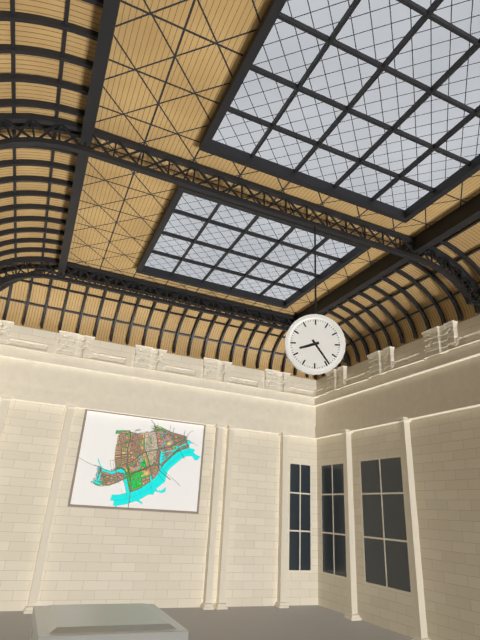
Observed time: 8:24
